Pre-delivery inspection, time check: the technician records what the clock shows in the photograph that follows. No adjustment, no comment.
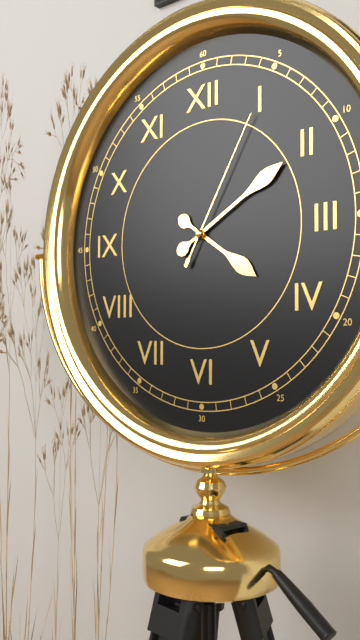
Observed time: 4:10:05
